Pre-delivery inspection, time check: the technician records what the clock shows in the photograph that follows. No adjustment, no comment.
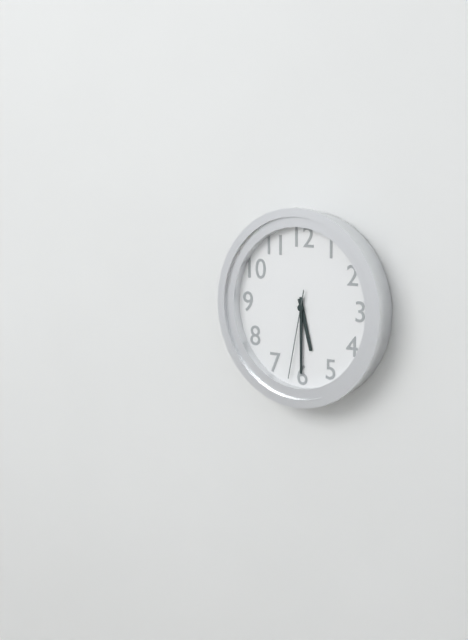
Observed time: 5:30:32
